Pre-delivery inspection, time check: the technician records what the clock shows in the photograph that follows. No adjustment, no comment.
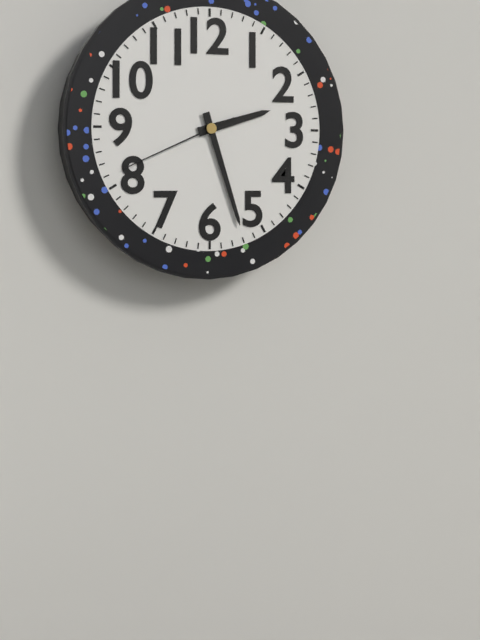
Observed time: 2:27:41
